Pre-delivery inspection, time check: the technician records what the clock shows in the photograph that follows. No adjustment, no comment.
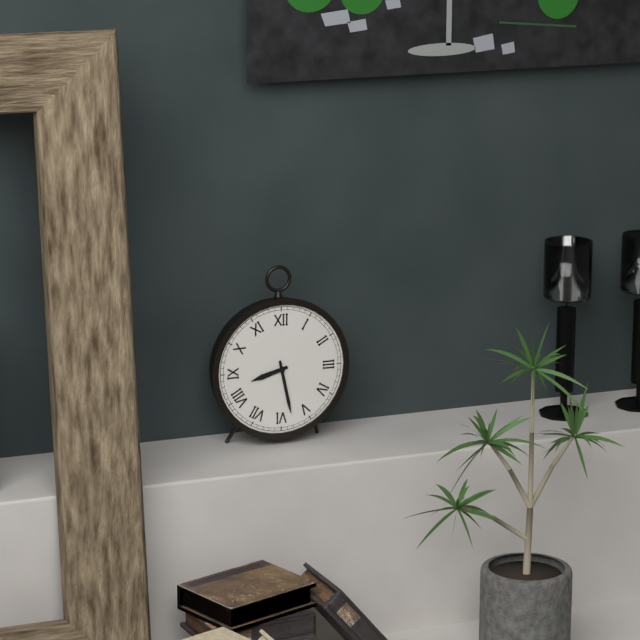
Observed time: 8:28
